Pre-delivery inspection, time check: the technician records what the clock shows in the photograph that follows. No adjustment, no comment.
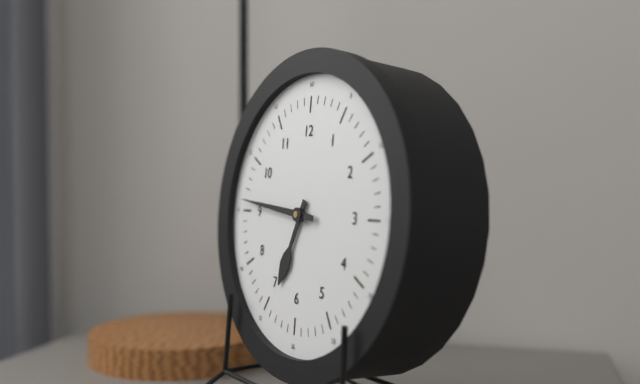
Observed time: 6:46
